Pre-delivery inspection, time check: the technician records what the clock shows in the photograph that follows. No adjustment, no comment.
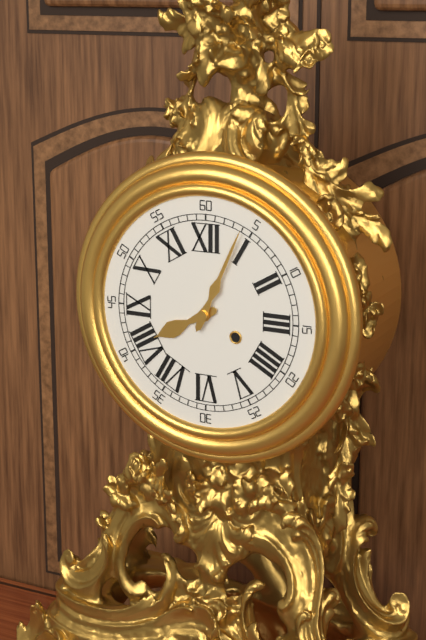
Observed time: 8:04
